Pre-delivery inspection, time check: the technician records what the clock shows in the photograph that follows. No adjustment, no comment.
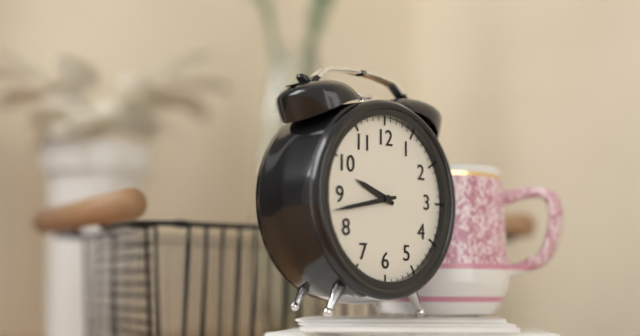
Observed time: 9:43
